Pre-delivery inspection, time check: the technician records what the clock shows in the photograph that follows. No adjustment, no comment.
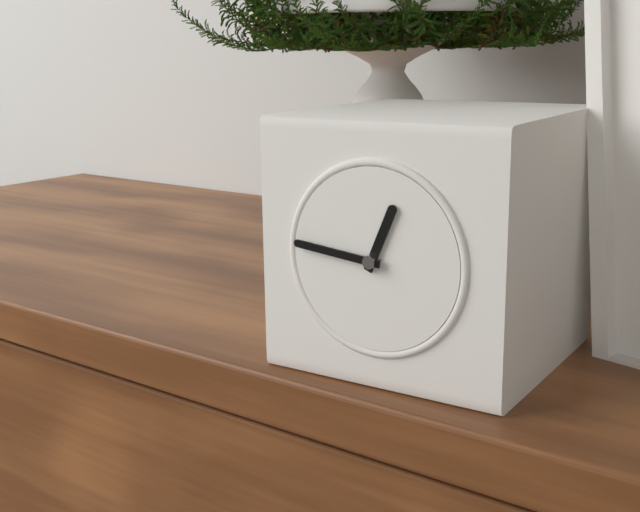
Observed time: 12:46
